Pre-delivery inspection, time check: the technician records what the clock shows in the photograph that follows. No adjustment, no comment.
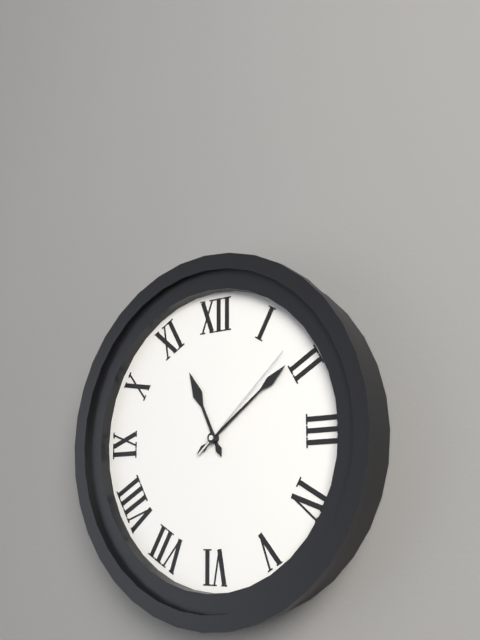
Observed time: 11:09:08
